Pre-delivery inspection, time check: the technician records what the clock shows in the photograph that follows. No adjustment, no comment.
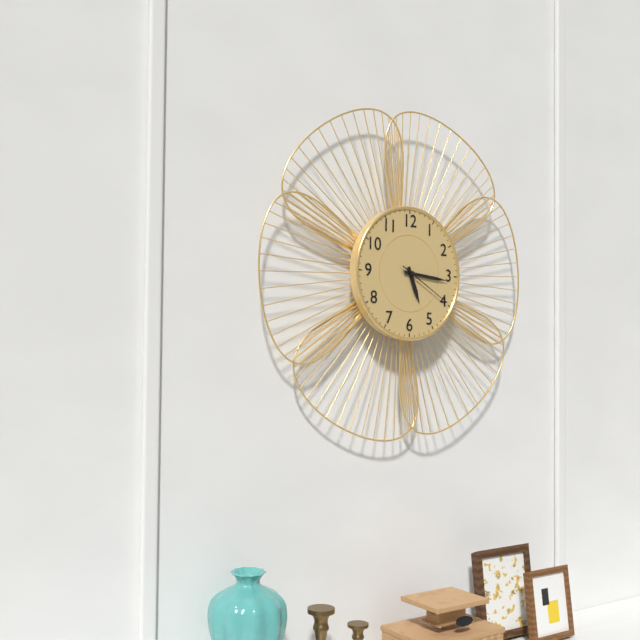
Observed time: 5:16:20
